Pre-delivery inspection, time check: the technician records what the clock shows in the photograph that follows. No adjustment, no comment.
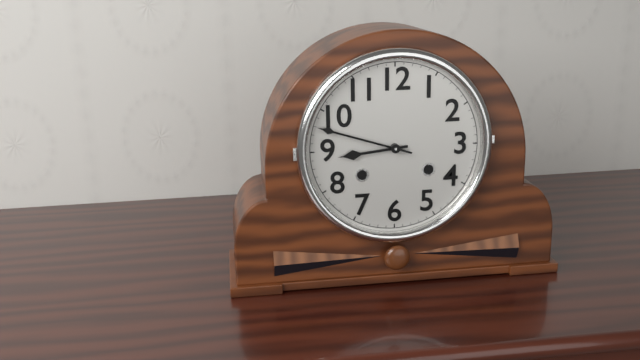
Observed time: 8:48
